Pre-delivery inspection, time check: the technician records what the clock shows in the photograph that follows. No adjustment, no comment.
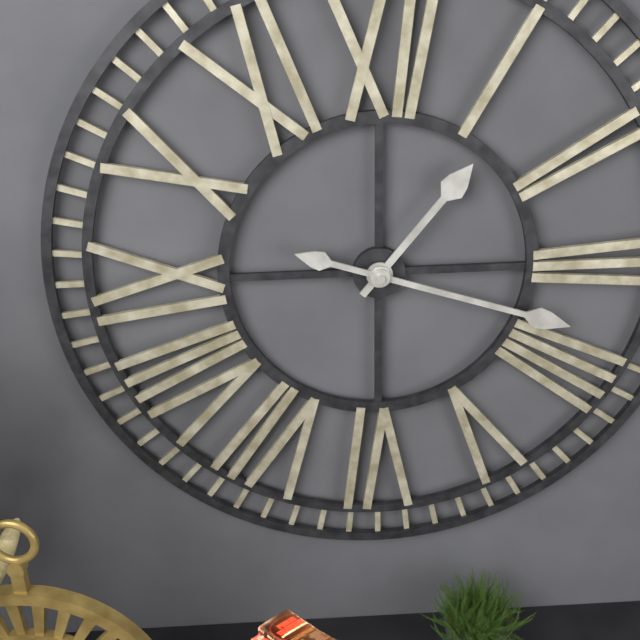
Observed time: 1:18
